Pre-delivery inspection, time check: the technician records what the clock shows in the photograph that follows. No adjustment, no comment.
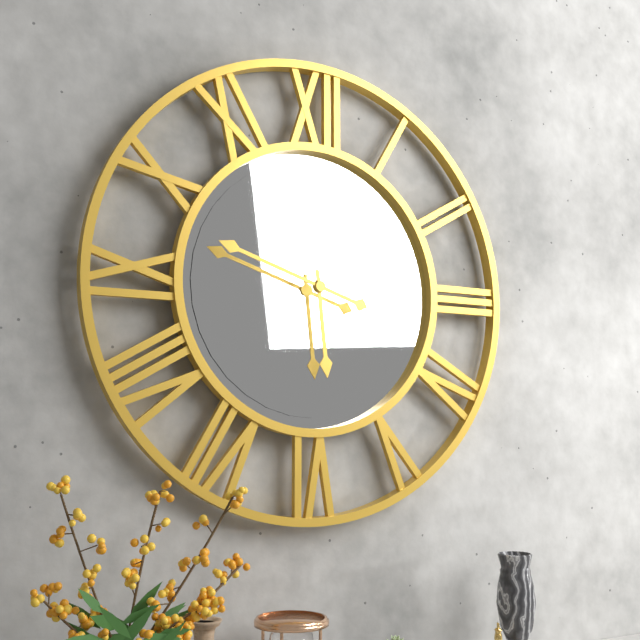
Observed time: 5:48
